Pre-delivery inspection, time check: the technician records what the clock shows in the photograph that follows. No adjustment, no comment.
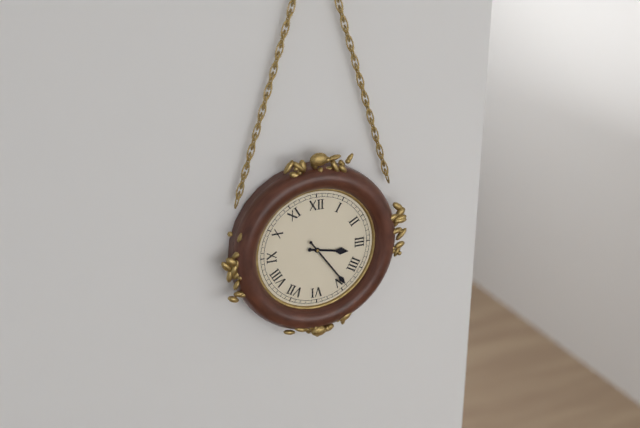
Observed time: 3:24
